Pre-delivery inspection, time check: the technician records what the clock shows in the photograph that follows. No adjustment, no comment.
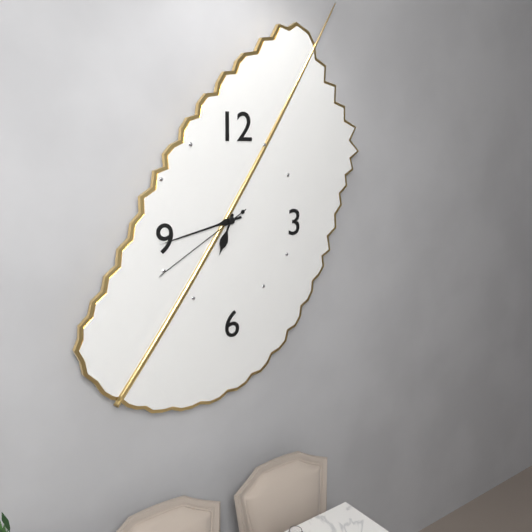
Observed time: 6:43:40
